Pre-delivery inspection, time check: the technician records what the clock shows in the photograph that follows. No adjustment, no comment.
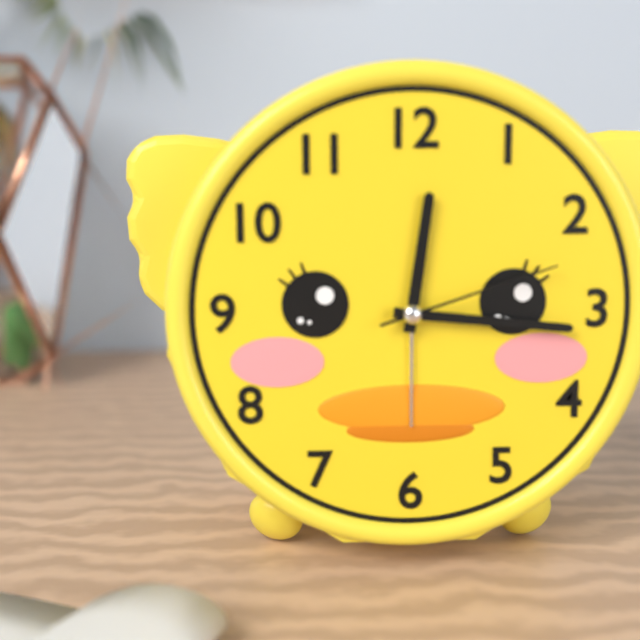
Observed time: 12:16:12
